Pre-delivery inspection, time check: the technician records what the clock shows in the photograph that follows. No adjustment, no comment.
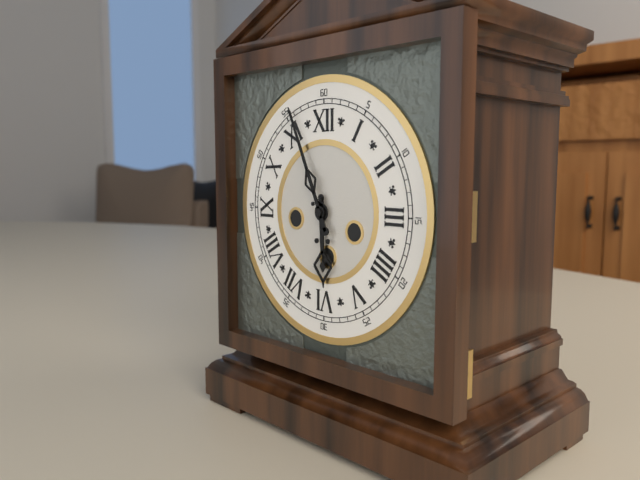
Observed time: 5:56
